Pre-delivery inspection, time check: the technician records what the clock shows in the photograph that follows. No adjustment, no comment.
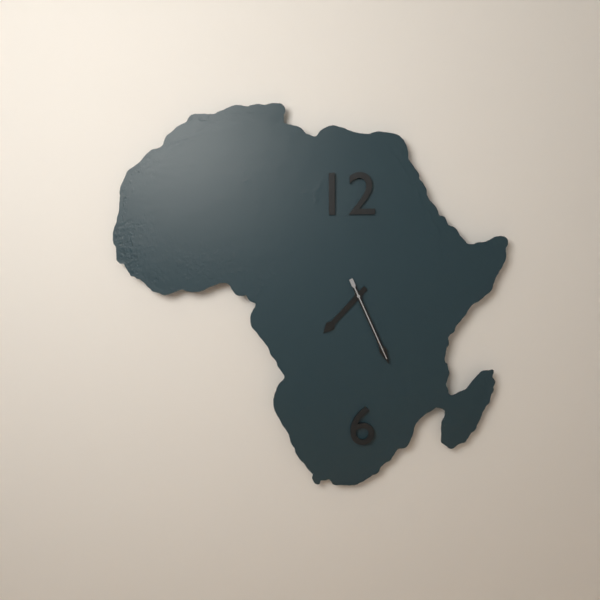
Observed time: 7:26:26
